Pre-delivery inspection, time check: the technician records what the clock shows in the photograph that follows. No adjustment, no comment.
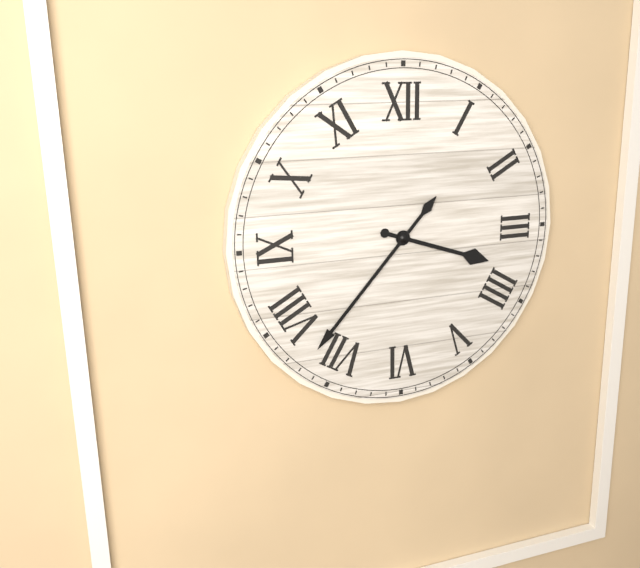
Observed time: 3:37
